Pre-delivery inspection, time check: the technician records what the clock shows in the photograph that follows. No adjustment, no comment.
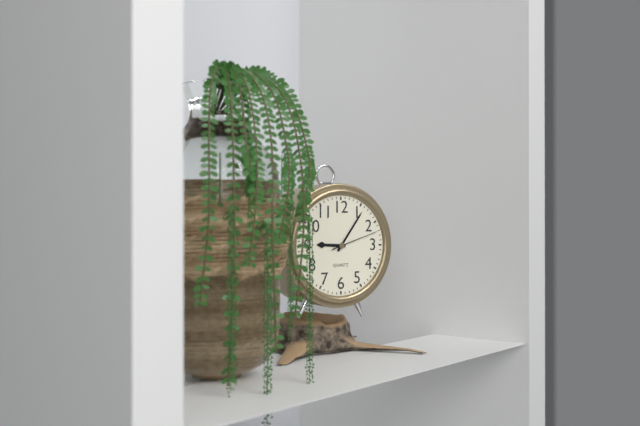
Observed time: 9:06
